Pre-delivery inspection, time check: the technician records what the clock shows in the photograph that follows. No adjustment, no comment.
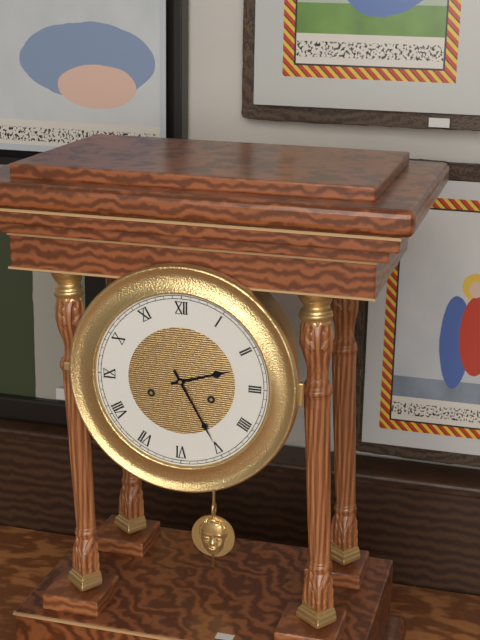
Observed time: 2:25
